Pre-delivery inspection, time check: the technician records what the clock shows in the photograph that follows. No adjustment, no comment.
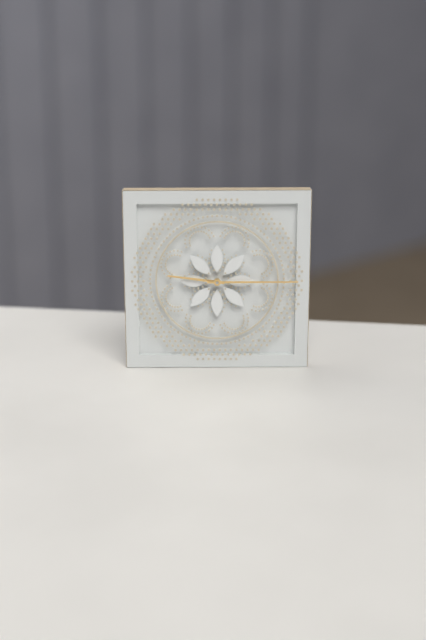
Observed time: 9:15
